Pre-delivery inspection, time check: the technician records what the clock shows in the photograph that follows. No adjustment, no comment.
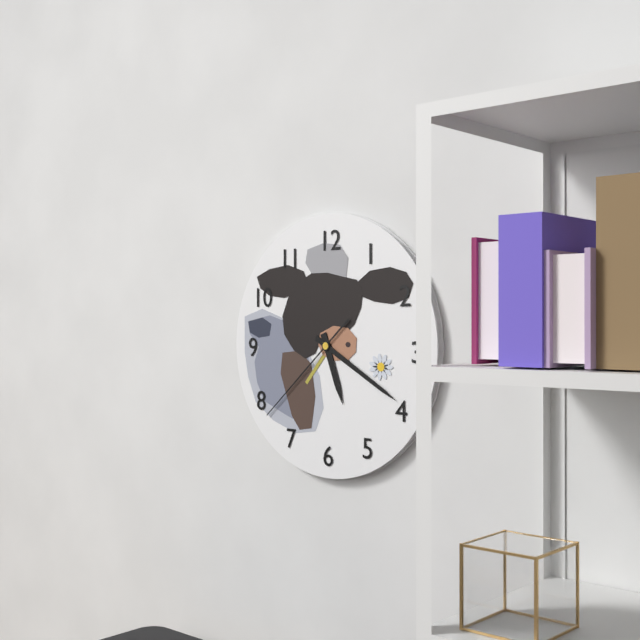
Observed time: 5:20:38
